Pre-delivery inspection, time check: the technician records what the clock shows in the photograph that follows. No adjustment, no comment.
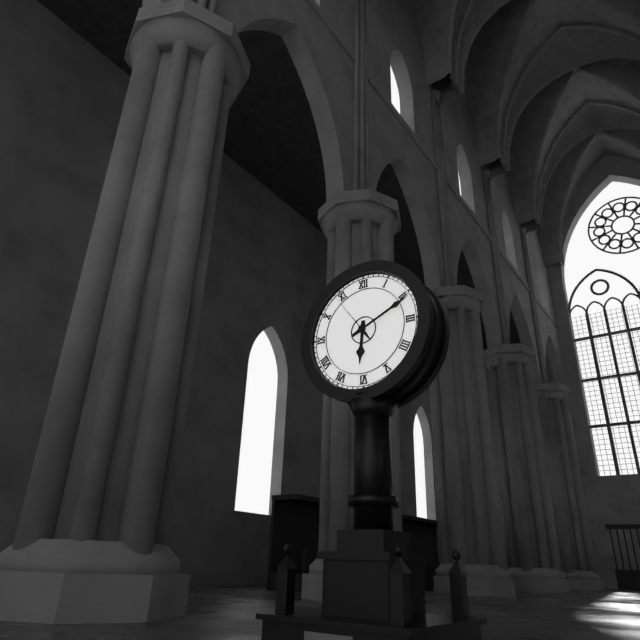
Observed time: 6:11:54
